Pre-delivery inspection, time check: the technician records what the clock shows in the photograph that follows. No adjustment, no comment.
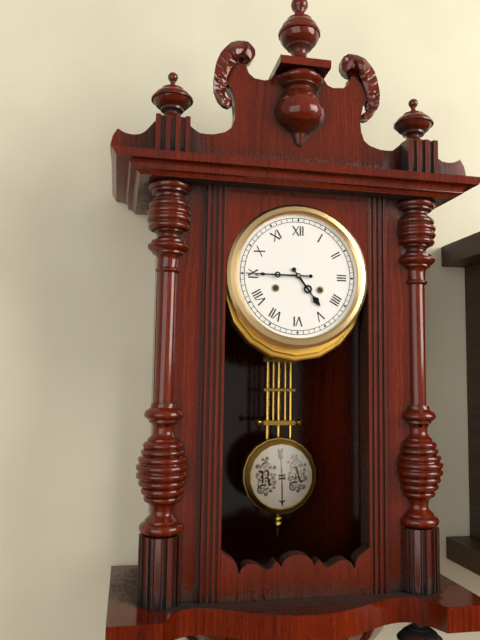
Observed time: 4:45
